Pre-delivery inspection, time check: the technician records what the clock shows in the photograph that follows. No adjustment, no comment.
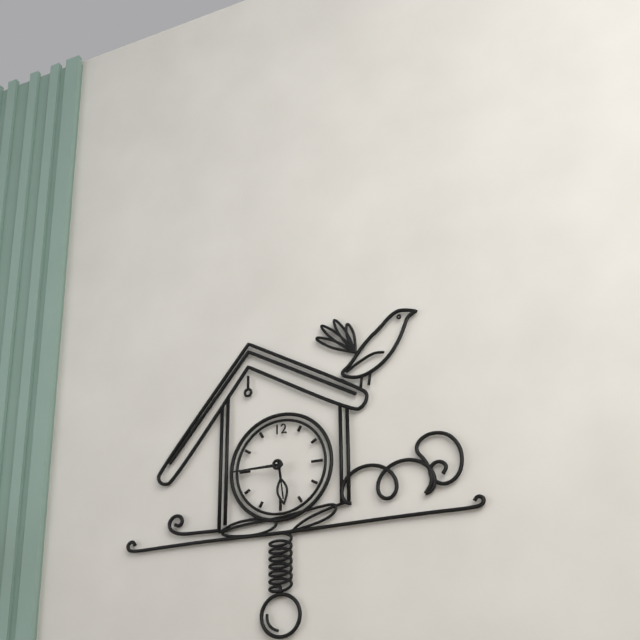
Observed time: 5:45
